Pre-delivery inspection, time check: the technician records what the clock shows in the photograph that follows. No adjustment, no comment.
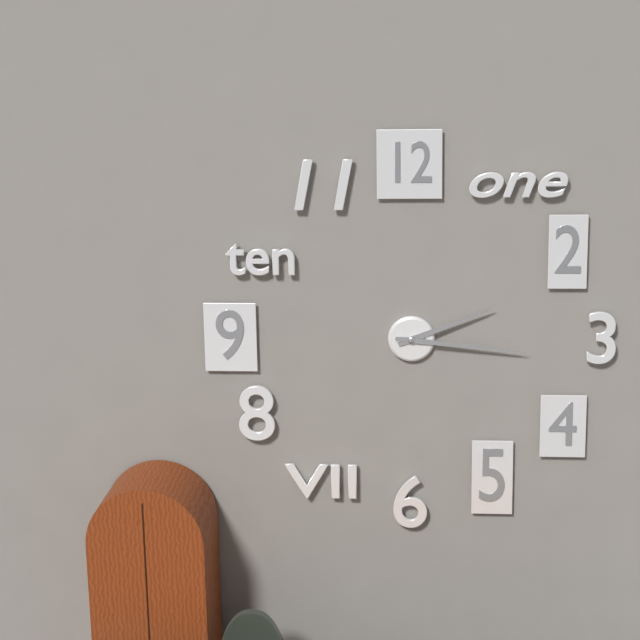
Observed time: 2:16
